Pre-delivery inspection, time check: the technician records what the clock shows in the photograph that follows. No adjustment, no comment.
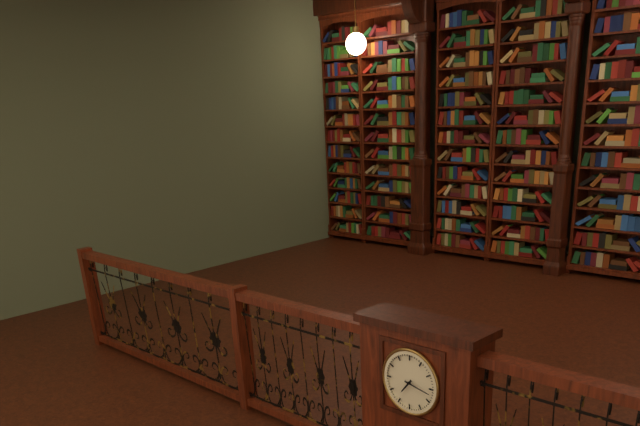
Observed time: 7:17
